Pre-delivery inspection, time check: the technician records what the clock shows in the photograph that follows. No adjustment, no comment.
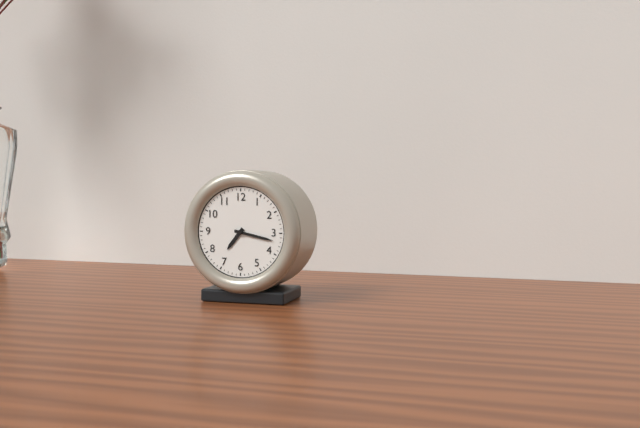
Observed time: 7:17
